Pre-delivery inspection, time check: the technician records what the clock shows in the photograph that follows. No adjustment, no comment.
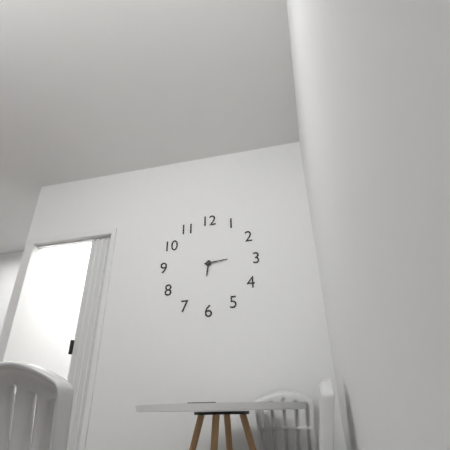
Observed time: 6:14
